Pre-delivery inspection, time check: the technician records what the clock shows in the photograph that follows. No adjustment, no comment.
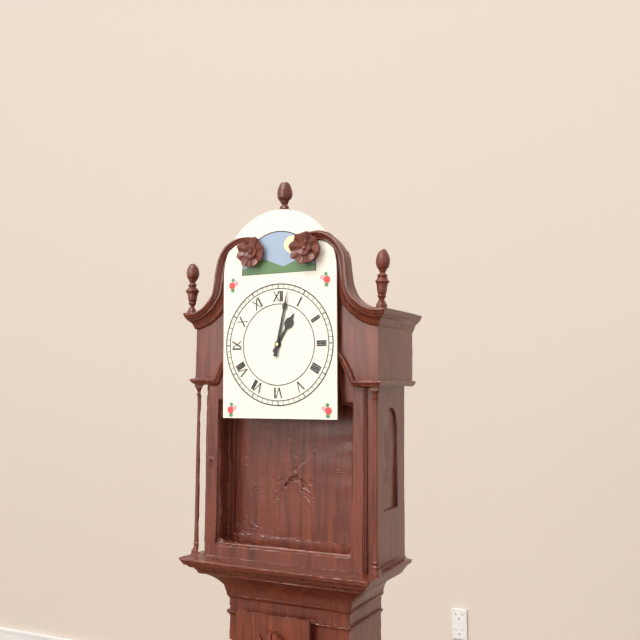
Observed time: 1:02
